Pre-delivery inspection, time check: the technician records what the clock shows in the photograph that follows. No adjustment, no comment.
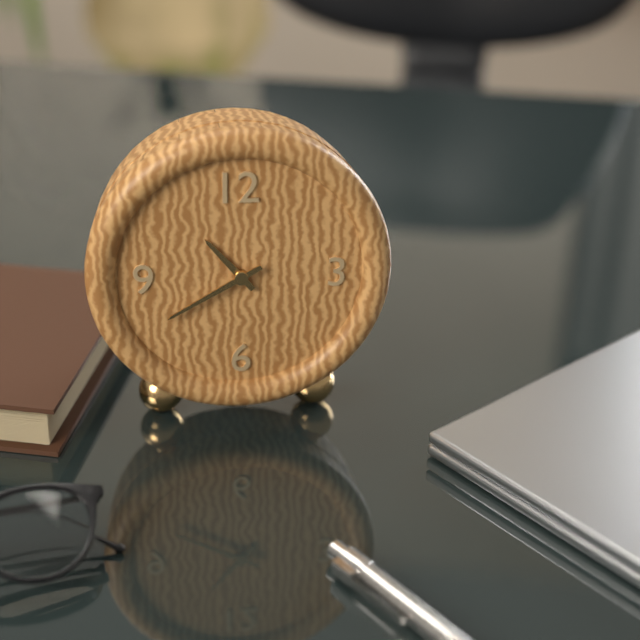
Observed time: 10:40
